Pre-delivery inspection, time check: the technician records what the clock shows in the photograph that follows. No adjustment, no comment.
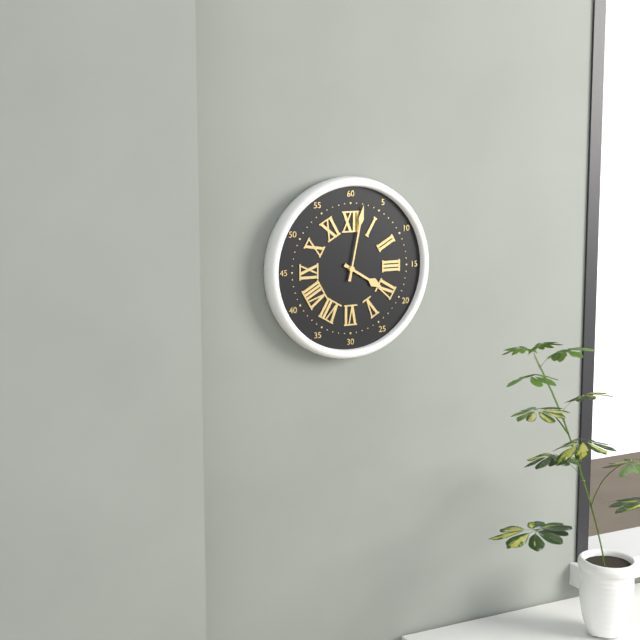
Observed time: 4:02
